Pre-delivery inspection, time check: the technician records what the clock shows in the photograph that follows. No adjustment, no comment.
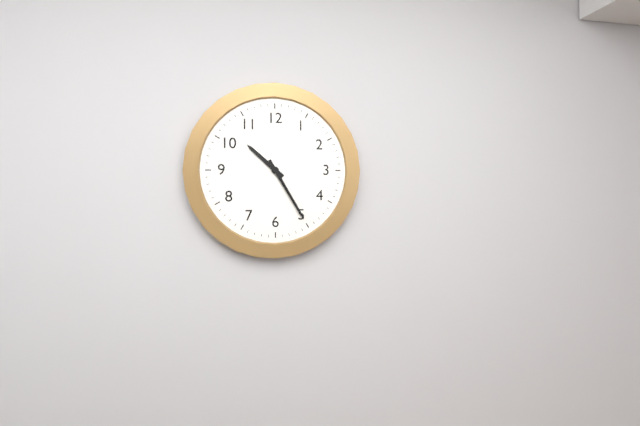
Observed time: 10:25
